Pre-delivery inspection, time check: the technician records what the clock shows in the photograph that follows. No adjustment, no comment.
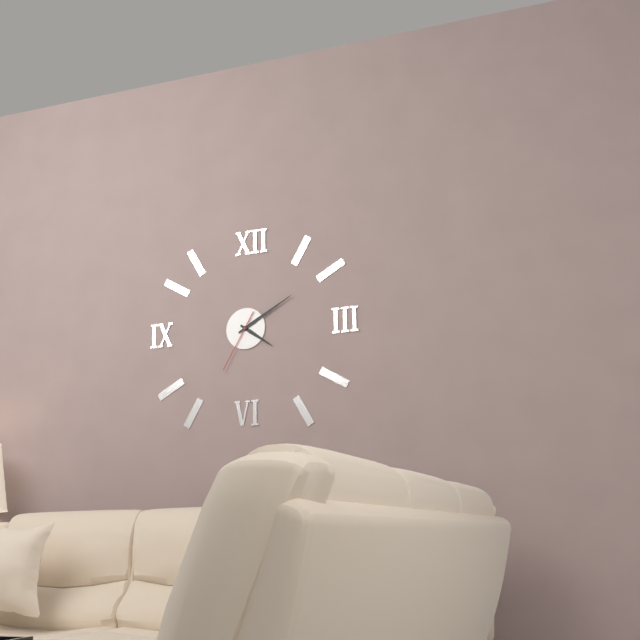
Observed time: 4:10:35
